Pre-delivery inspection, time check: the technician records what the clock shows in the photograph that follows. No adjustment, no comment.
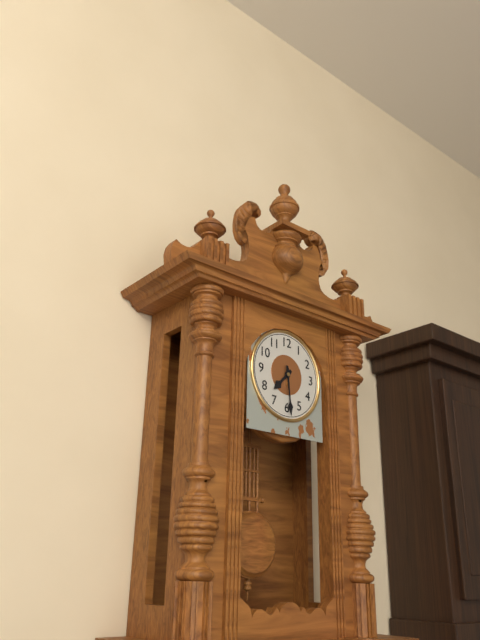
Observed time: 7:29
